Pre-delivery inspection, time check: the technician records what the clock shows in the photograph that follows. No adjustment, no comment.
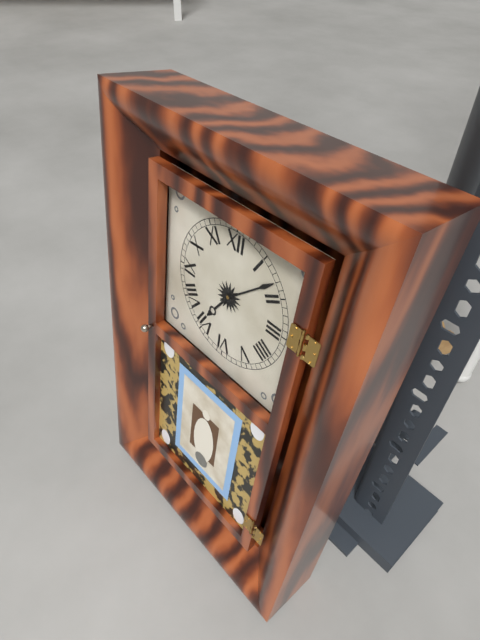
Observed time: 7:08
